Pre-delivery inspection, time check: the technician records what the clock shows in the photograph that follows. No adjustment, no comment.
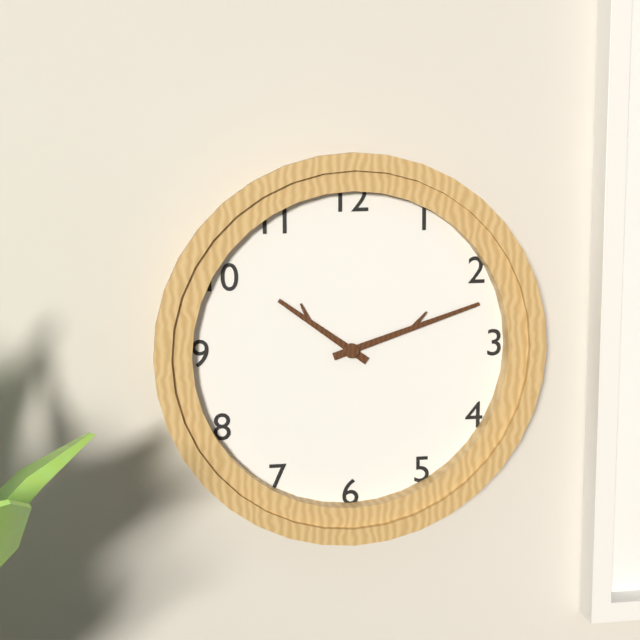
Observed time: 10:12
